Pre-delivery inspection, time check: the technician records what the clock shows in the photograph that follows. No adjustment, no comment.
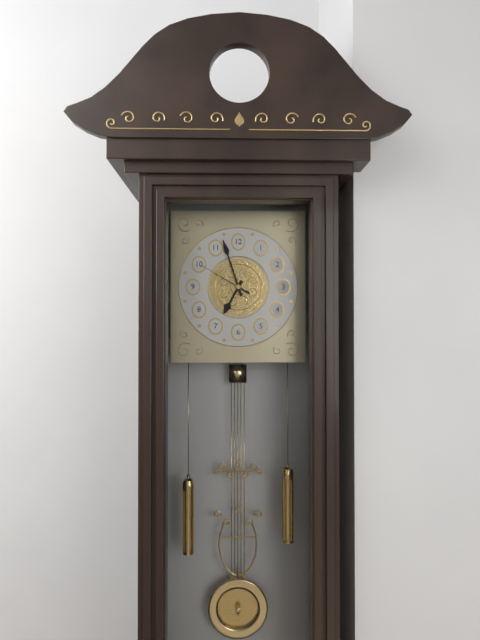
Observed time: 6:57:50
